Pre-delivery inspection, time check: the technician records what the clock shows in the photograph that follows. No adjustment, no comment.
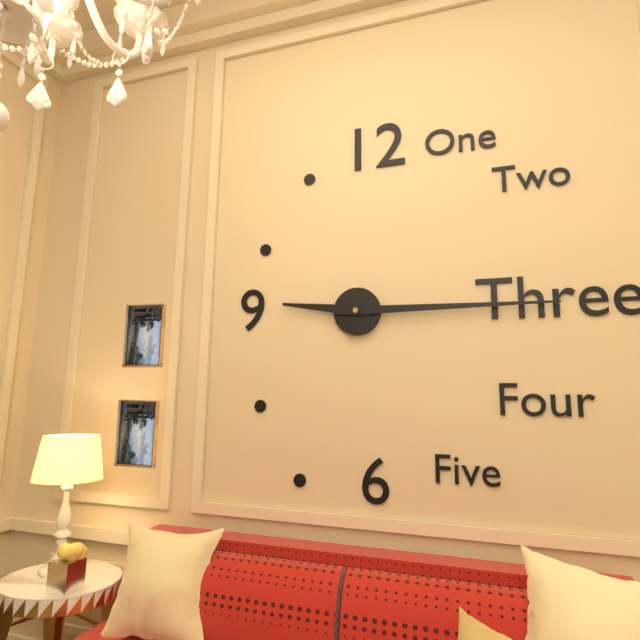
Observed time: 9:15
